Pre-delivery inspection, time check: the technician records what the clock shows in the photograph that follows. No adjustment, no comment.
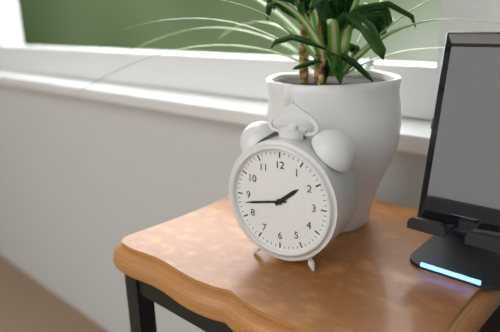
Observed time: 1:43
